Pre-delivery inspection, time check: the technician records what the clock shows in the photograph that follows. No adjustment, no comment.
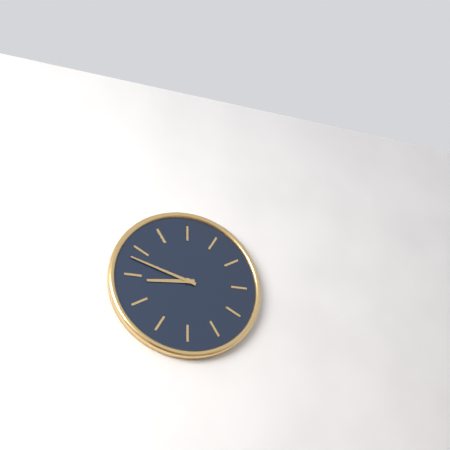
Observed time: 8:48
